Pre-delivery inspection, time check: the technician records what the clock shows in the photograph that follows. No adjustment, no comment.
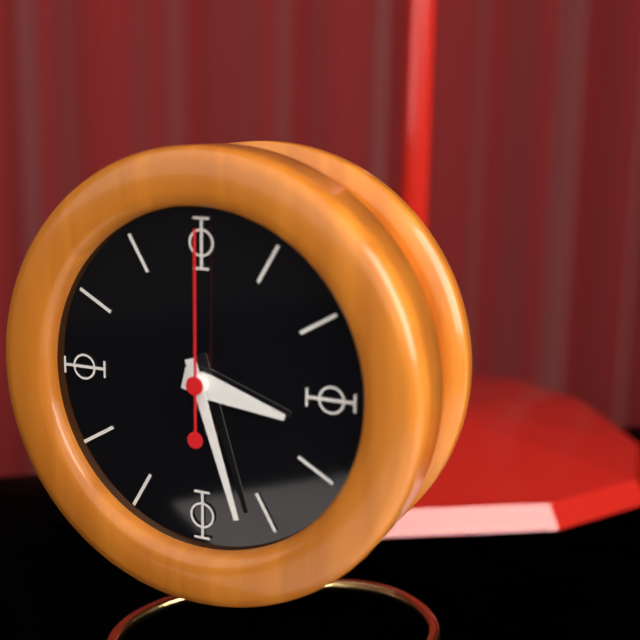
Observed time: 3:27:00
